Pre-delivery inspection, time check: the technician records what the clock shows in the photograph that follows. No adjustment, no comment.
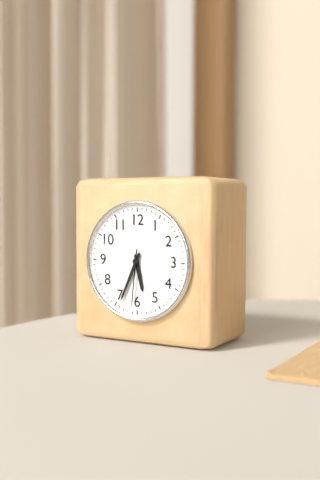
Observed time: 5:34:31
